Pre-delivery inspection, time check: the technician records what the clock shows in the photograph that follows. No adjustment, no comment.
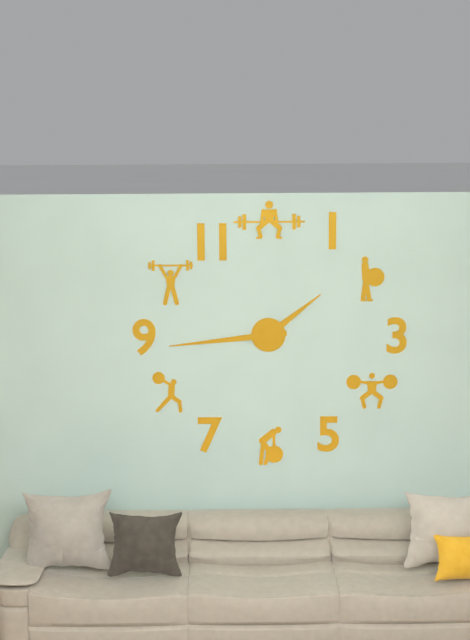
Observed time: 1:44
